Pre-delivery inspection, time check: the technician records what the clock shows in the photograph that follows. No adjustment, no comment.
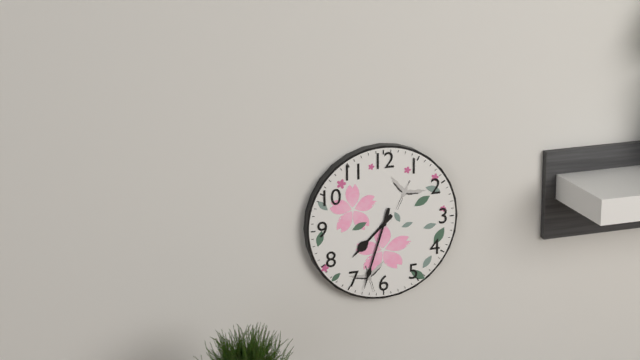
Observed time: 7:33
